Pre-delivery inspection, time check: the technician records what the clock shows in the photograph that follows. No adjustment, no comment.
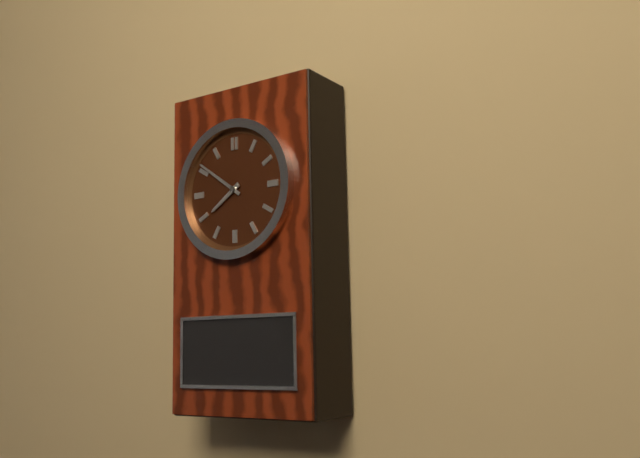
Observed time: 7:51
